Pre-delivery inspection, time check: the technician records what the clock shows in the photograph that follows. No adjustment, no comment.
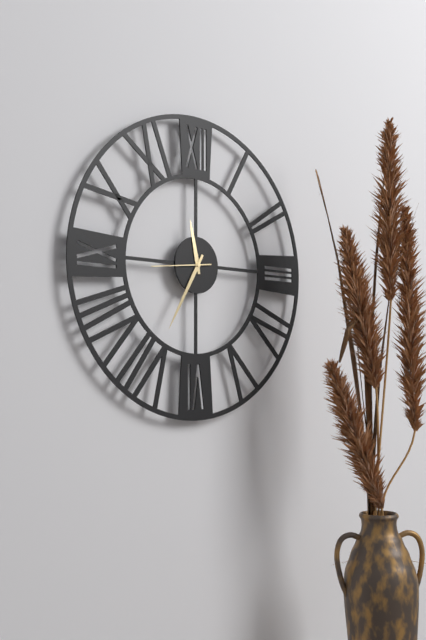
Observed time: 11:35:44
